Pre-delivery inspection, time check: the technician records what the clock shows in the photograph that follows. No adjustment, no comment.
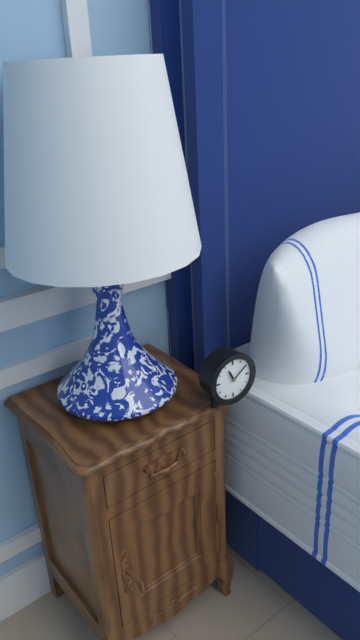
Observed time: 11:09
